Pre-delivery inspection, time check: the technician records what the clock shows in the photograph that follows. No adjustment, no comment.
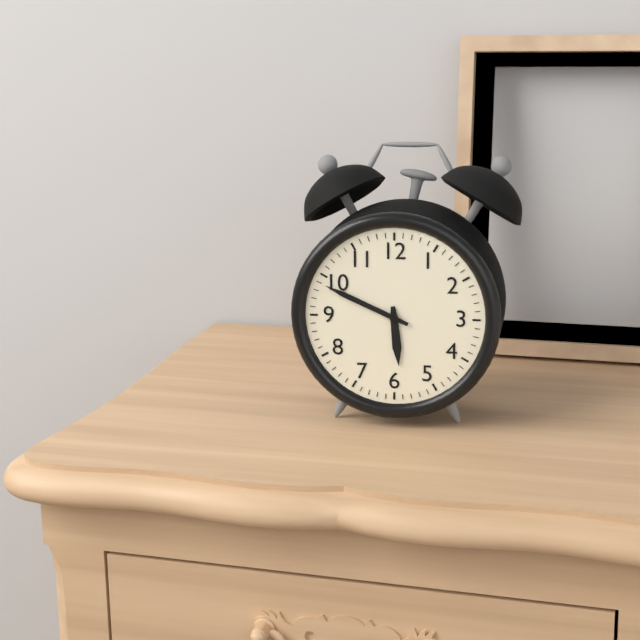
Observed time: 5:49
